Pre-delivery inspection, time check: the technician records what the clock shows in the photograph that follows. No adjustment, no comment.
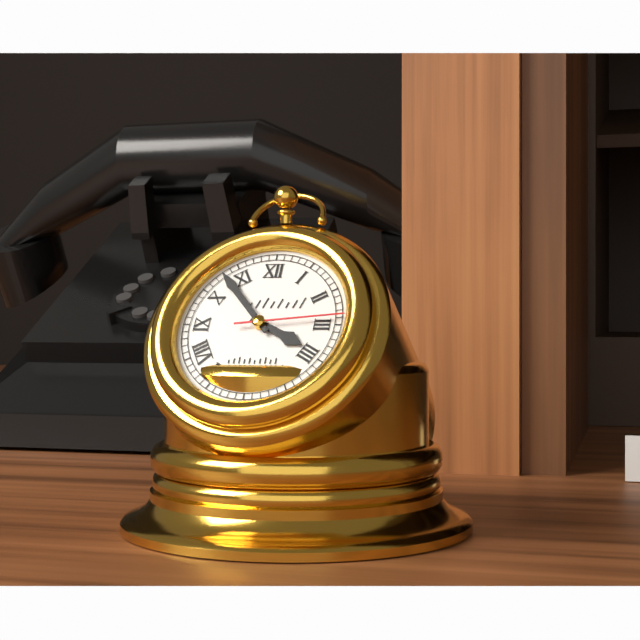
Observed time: 3:53:14
